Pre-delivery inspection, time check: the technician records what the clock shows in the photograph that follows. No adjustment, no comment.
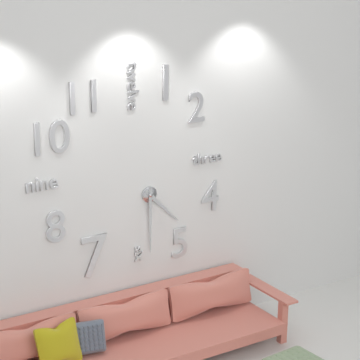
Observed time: 4:30
